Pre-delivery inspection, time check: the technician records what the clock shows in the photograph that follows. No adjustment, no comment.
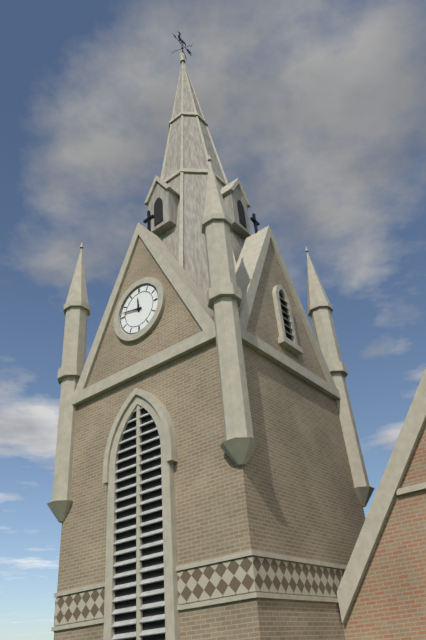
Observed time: 11:47
